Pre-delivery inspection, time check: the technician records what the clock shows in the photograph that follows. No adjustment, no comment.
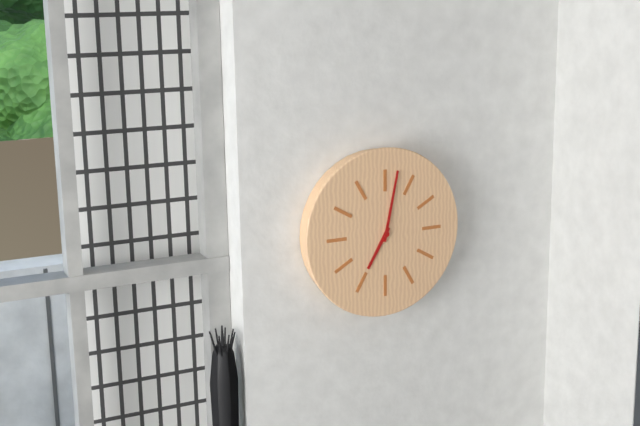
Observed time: 7:02
